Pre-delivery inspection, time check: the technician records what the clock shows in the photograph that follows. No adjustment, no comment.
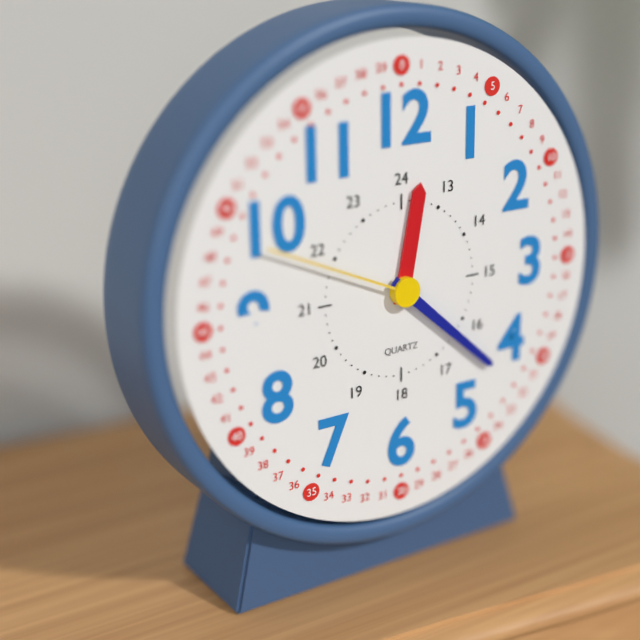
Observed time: 12:22:49
